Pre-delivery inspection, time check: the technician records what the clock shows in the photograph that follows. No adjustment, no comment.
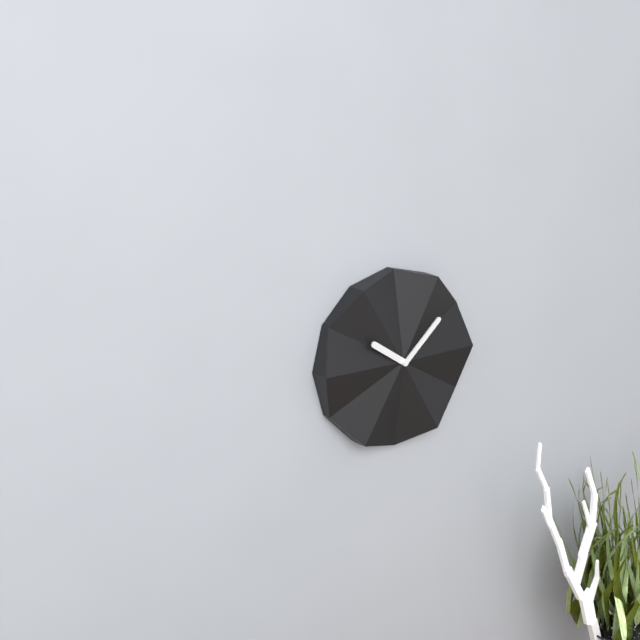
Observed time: 10:08
